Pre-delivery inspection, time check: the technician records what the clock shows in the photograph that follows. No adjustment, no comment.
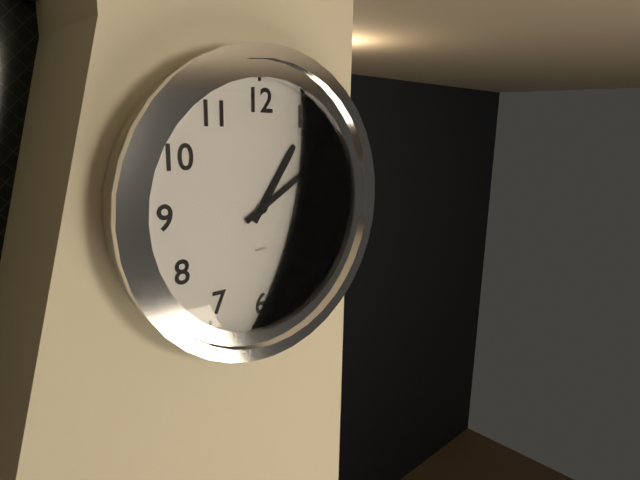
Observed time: 1:10
